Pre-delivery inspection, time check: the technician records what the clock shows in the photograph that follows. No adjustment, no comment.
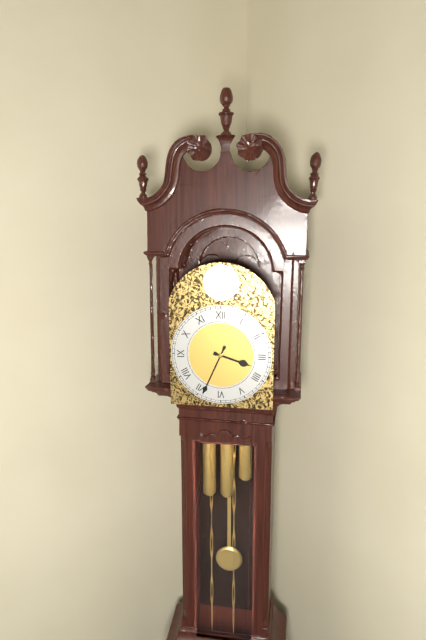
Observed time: 3:34
